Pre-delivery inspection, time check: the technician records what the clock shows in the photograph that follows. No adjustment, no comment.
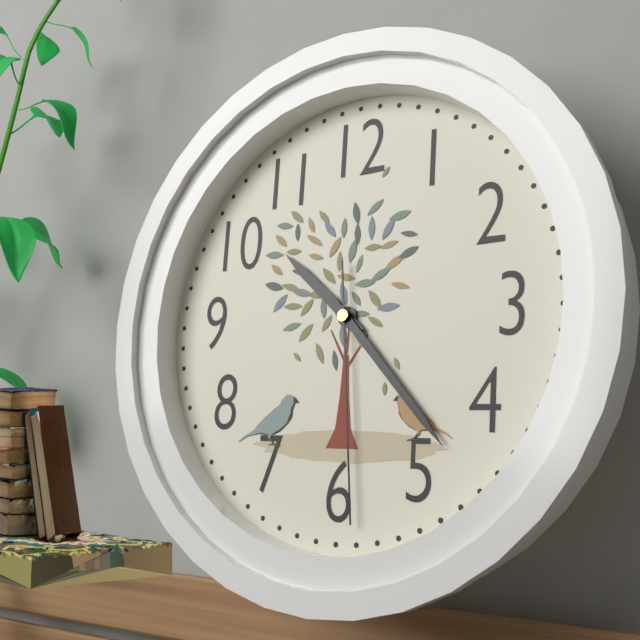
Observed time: 10:23:29
